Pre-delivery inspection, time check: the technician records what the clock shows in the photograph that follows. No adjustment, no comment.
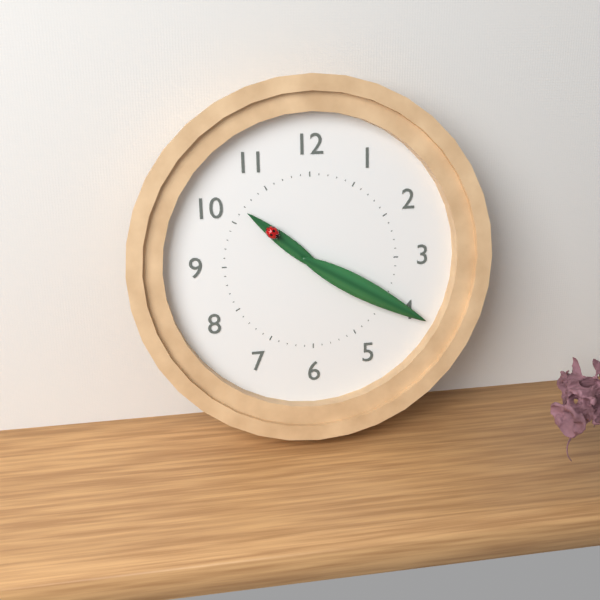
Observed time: 10:20
